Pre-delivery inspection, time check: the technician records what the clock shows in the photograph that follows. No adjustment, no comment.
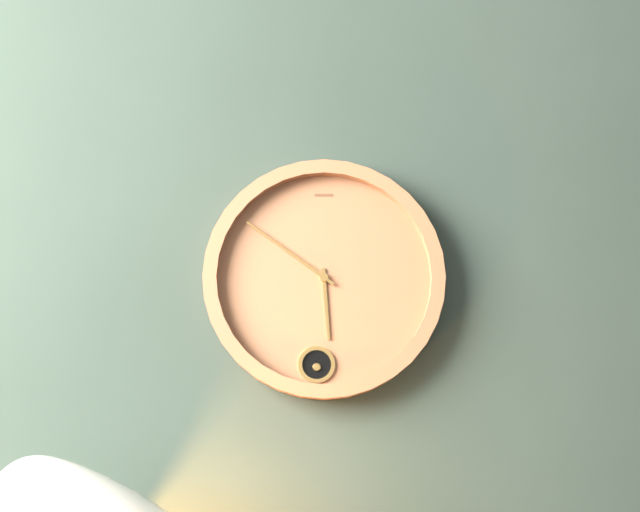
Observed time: 5:51
